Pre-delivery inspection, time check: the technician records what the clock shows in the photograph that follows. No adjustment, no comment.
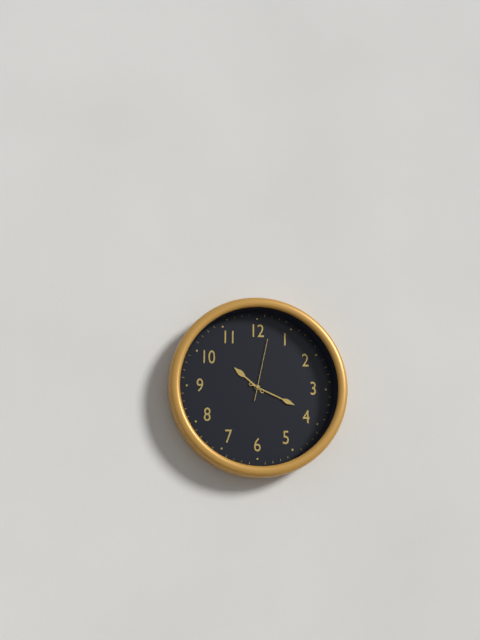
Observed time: 10:19:02
